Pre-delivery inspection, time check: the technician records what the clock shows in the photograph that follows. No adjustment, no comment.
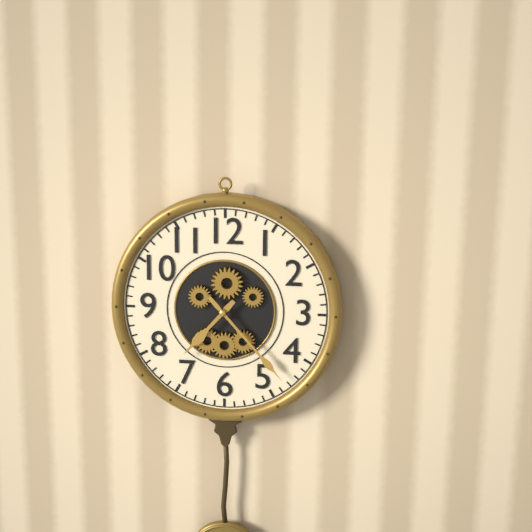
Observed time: 7:23
